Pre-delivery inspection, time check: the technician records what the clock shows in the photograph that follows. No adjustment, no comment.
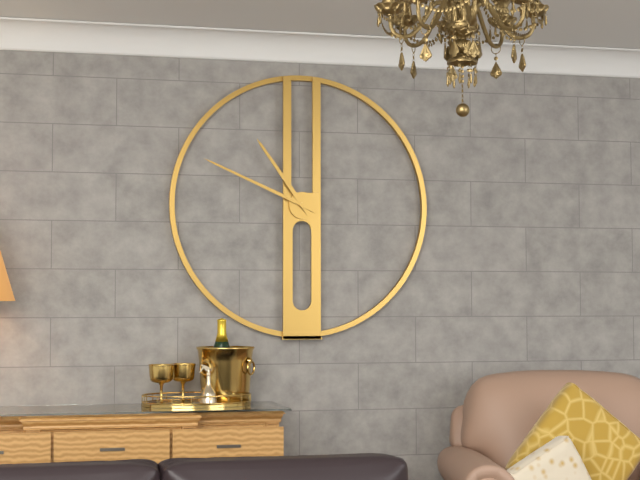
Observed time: 10:49
